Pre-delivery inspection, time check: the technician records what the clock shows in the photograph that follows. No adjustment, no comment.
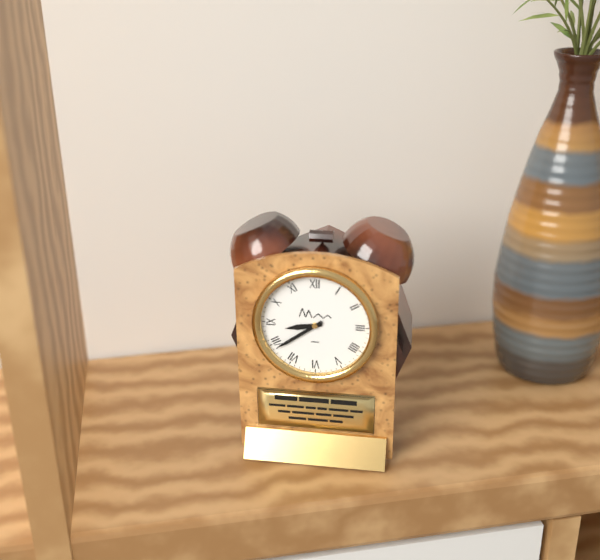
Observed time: 8:39
